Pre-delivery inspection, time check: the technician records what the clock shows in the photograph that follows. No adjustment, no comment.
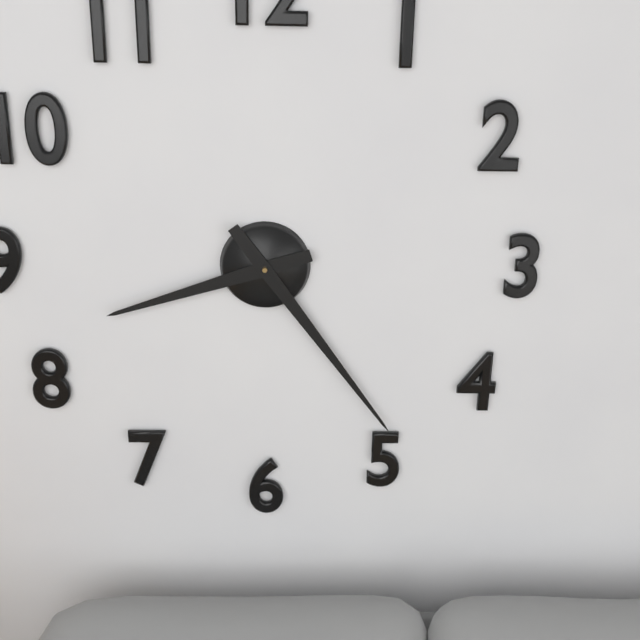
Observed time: 8:24
